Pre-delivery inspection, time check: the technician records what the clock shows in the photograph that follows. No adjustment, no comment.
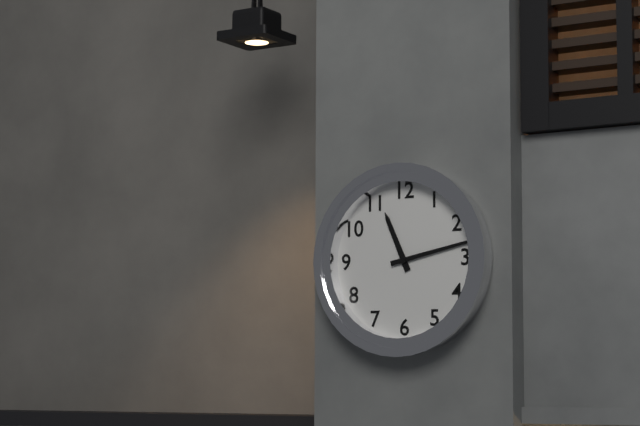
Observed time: 11:13
